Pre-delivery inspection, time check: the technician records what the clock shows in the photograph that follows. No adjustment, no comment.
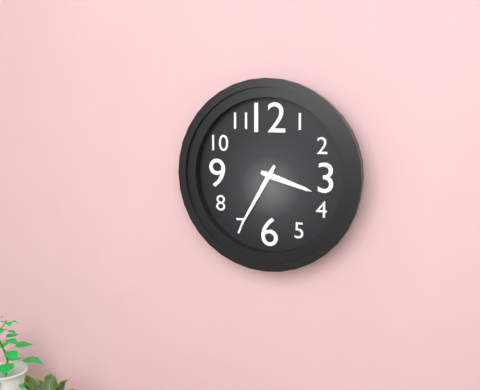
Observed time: 3:35
